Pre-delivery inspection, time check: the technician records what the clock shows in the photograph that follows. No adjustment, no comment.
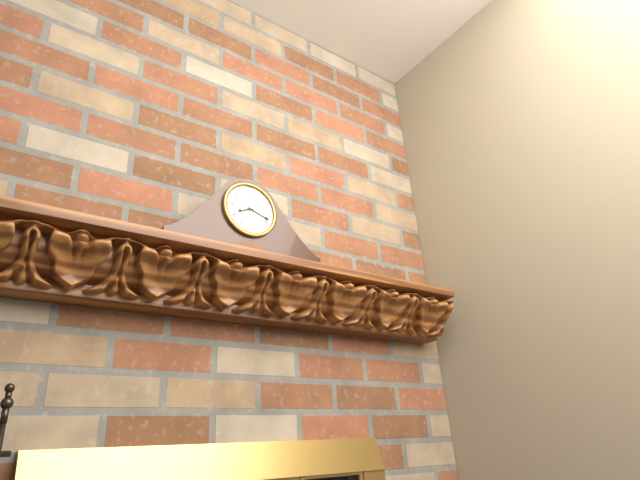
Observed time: 8:18
